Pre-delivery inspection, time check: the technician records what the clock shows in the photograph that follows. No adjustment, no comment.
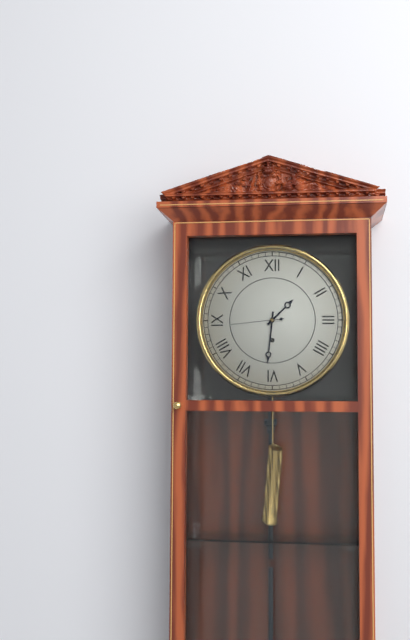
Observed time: 1:31:44
